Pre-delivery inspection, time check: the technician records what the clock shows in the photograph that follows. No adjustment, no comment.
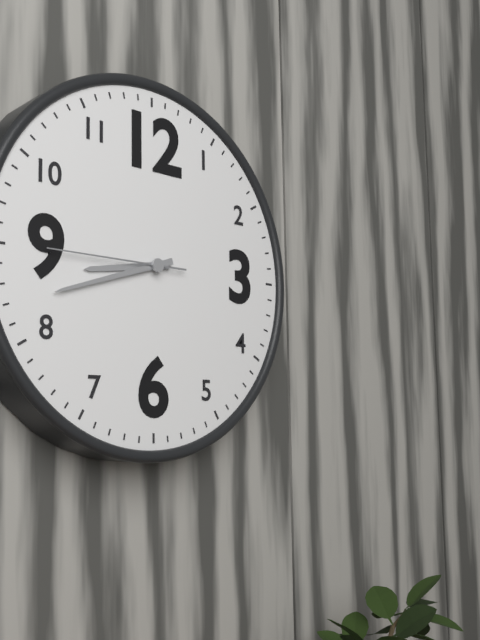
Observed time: 8:42:45
